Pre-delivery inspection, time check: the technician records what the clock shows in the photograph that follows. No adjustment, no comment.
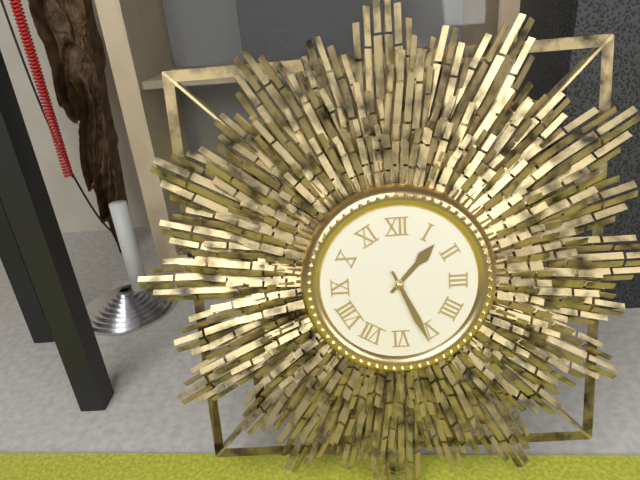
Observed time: 1:26
